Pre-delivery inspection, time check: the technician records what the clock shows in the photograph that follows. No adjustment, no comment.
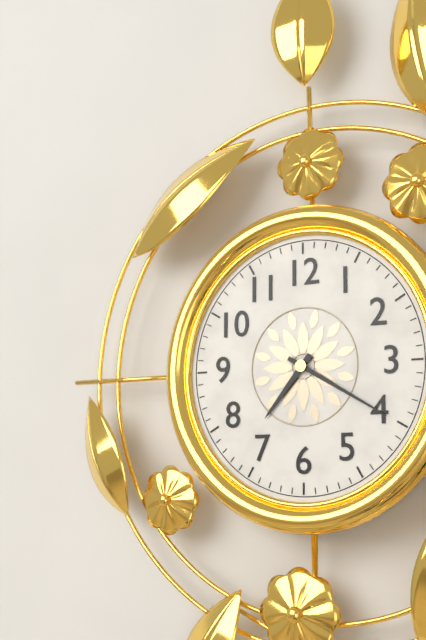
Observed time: 7:20
